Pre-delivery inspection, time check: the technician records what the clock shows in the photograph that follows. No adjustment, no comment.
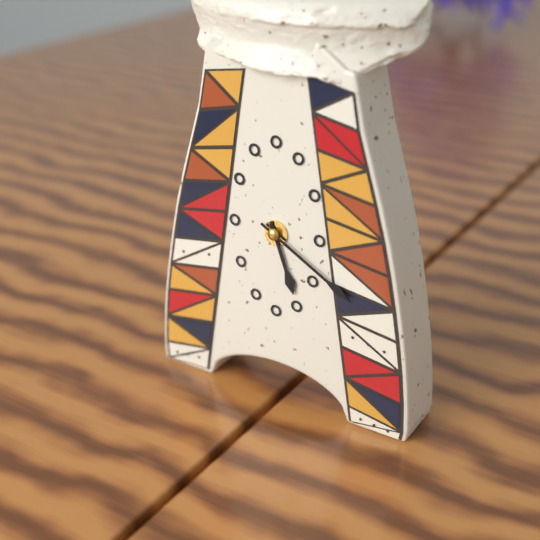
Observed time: 5:20
